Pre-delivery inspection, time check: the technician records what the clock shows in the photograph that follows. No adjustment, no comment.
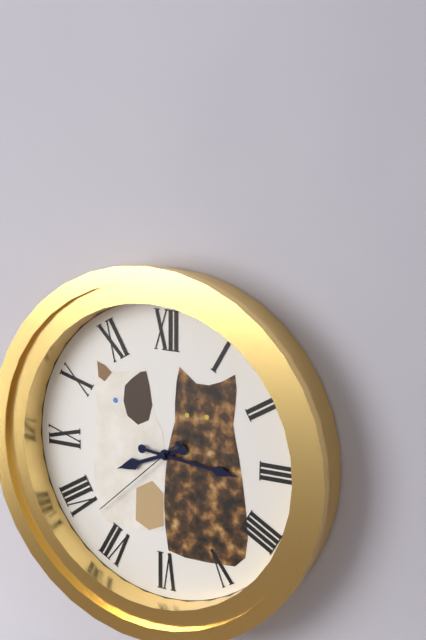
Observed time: 8:16:38
